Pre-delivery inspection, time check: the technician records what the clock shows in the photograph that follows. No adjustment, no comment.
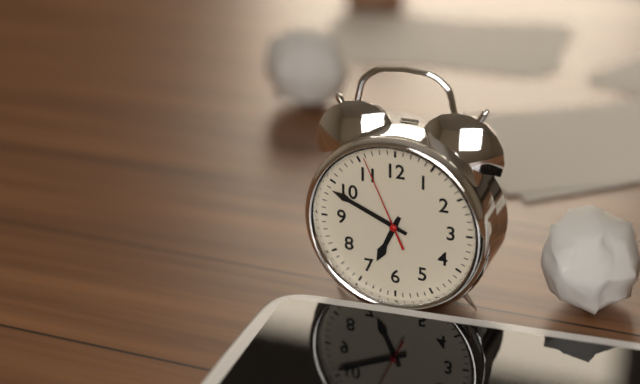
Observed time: 6:49:56
